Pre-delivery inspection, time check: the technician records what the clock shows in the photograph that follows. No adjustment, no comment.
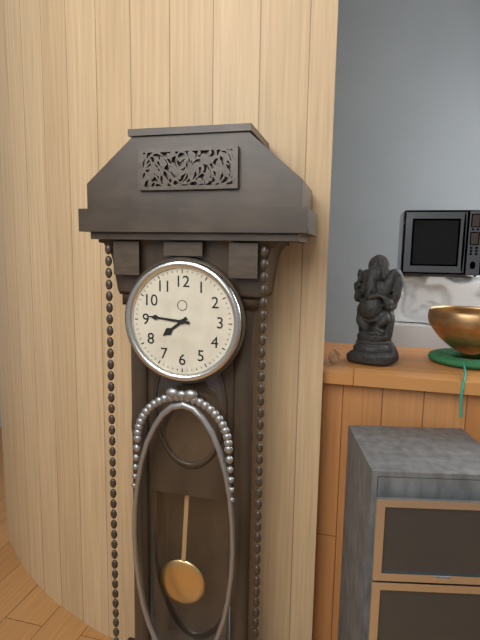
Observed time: 7:46
